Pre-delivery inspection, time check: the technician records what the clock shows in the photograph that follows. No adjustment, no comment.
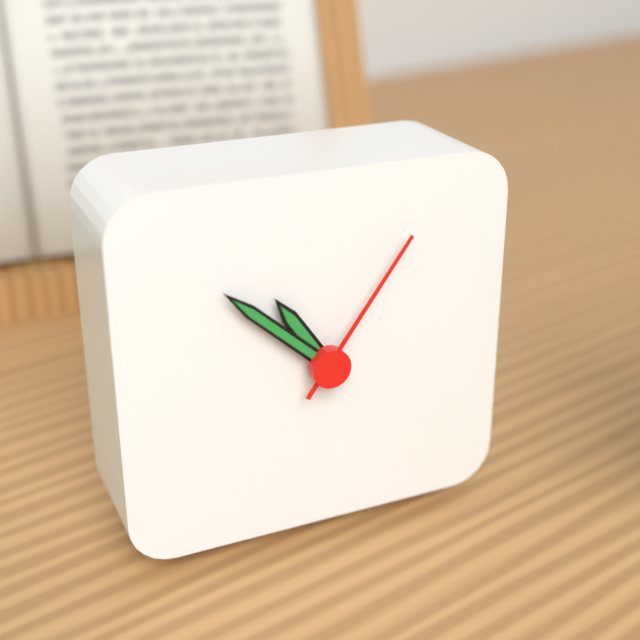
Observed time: 10:52:06
